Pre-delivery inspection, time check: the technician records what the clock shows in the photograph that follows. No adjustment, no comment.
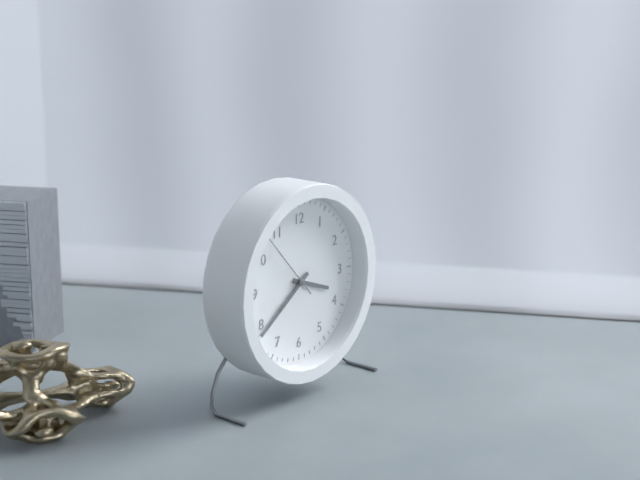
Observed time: 3:39:53
